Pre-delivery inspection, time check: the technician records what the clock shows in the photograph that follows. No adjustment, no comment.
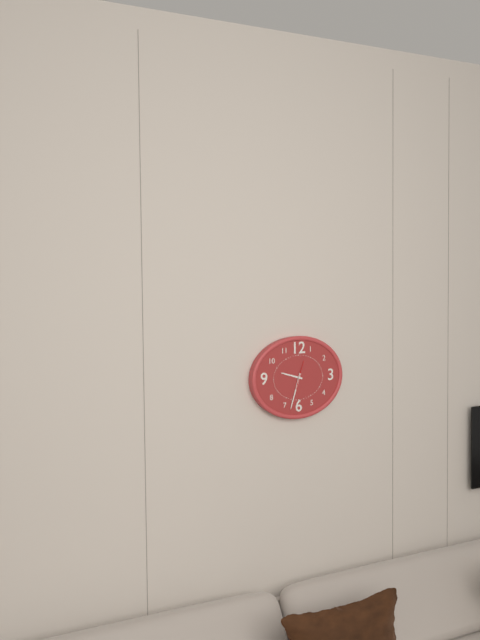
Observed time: 9:33
